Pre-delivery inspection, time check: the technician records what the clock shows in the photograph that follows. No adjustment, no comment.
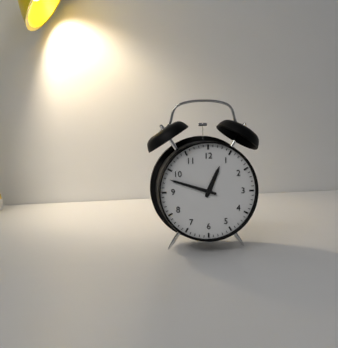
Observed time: 12:48
